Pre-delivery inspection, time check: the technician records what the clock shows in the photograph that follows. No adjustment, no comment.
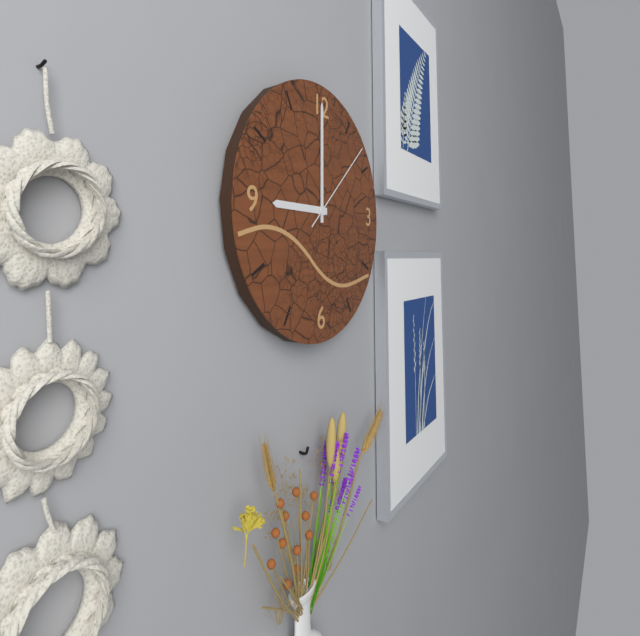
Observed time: 9:00:08
